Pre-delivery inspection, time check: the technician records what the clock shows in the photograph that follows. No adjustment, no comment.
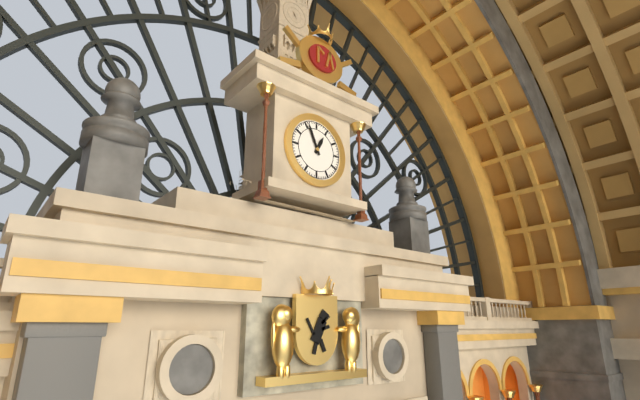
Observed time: 12:56
